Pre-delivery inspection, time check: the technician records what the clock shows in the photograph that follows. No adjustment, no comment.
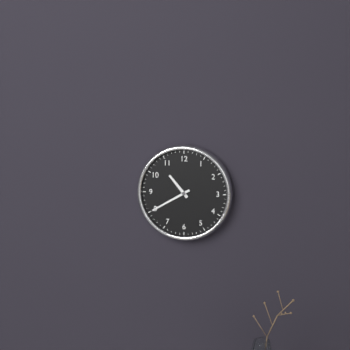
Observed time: 10:40
